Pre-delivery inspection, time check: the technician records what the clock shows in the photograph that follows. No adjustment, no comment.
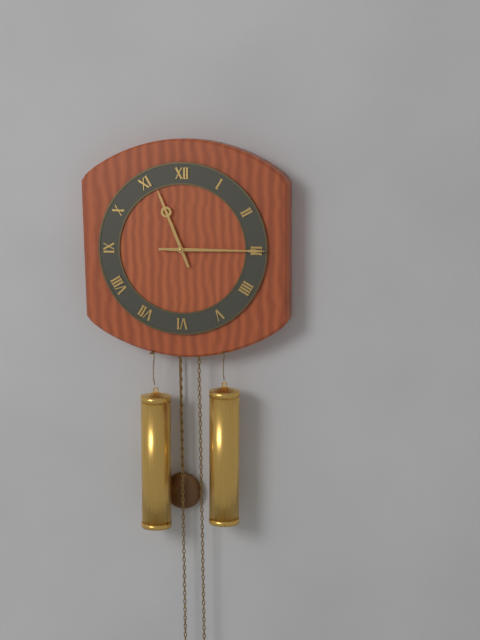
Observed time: 11:15
